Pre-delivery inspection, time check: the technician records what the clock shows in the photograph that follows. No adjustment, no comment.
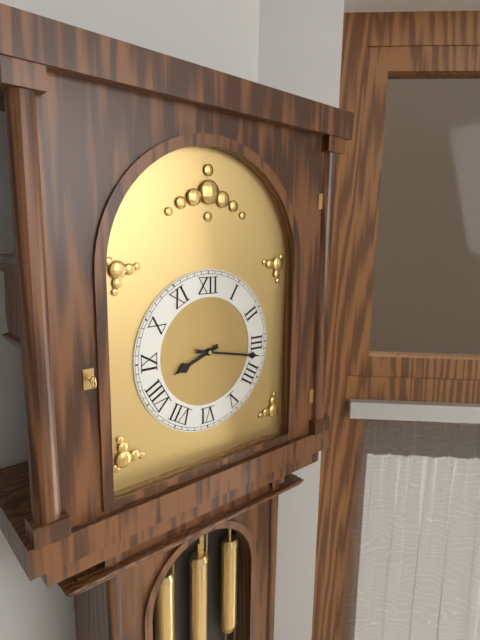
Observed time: 8:17
